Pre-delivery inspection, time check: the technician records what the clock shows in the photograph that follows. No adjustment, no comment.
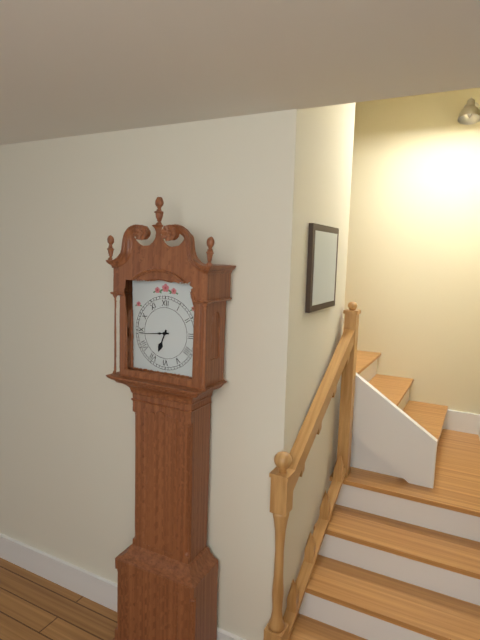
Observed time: 6:44
